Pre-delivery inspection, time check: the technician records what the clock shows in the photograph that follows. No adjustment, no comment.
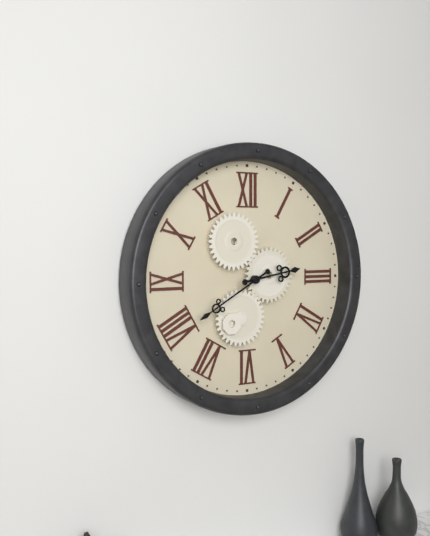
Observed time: 2:40
